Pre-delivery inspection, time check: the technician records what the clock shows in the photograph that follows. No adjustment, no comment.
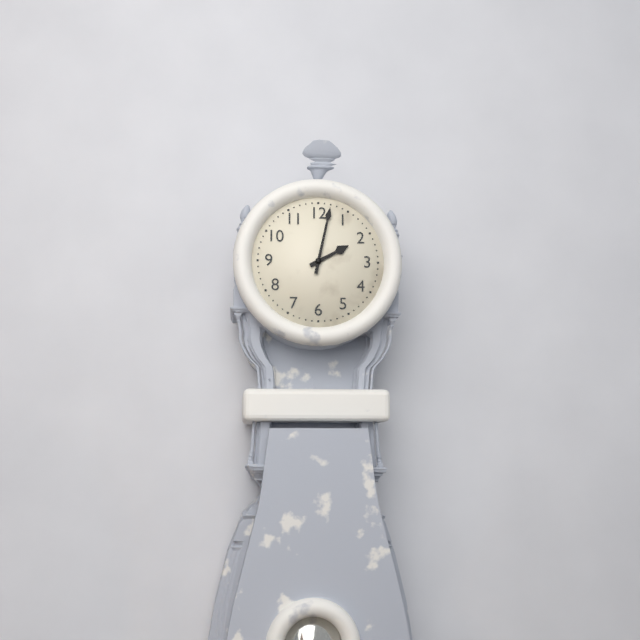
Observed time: 2:02
